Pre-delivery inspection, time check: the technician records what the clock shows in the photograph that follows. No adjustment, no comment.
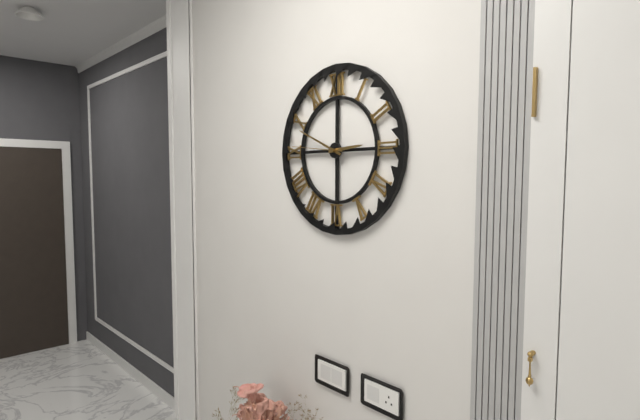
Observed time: 2:49:46
